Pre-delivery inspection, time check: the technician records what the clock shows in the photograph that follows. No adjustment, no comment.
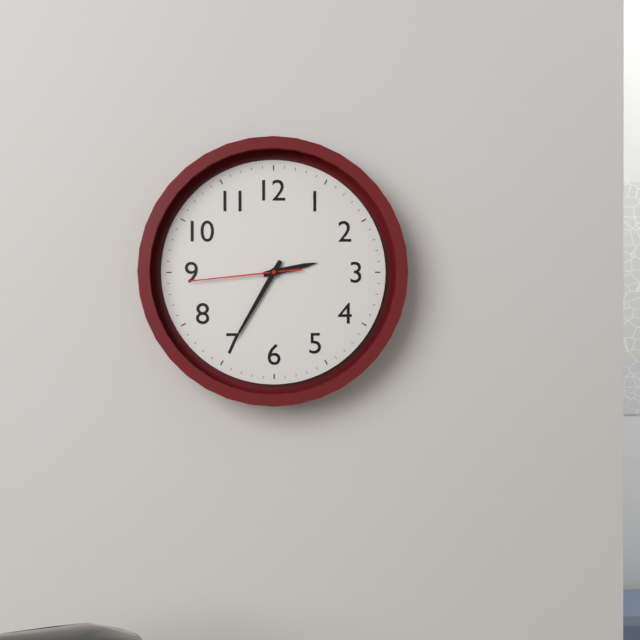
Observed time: 2:35:44
